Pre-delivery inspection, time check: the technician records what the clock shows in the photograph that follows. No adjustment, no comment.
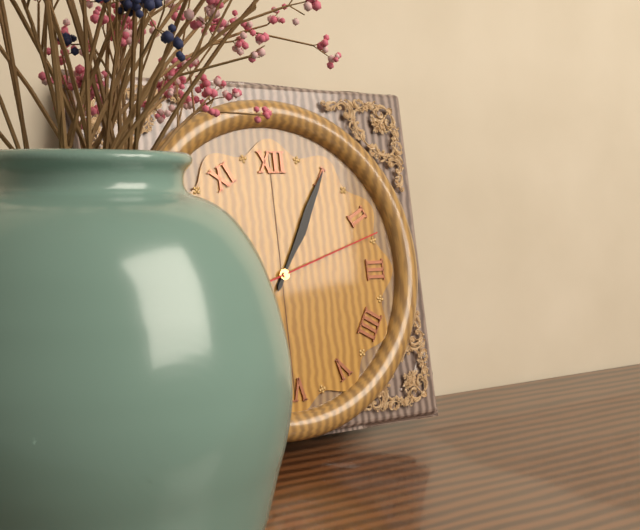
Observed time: 1:05:12
